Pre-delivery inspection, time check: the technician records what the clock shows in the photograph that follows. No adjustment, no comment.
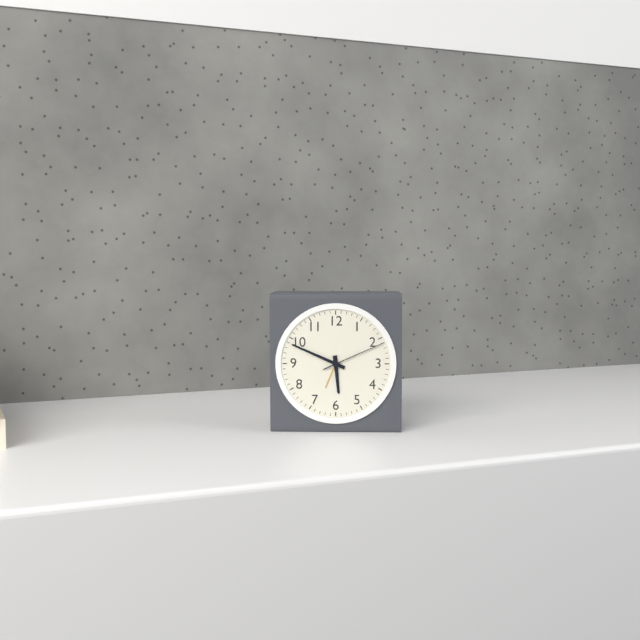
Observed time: 5:49:11
